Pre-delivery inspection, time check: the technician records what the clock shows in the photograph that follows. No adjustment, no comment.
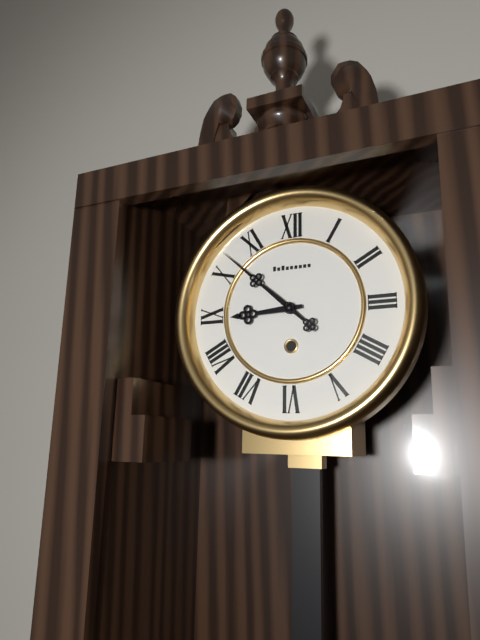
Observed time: 8:52
